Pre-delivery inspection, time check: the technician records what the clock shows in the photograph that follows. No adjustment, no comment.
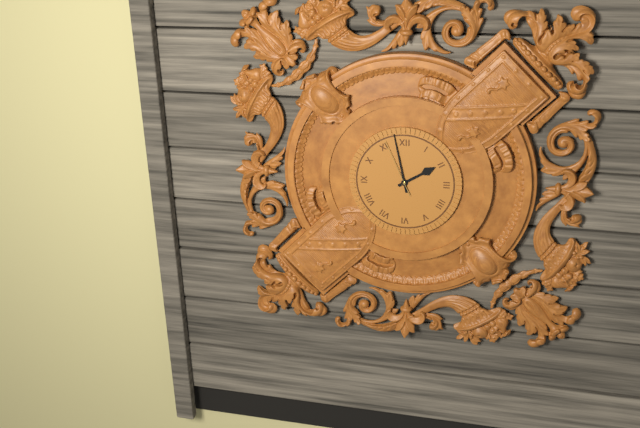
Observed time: 1:58:56
